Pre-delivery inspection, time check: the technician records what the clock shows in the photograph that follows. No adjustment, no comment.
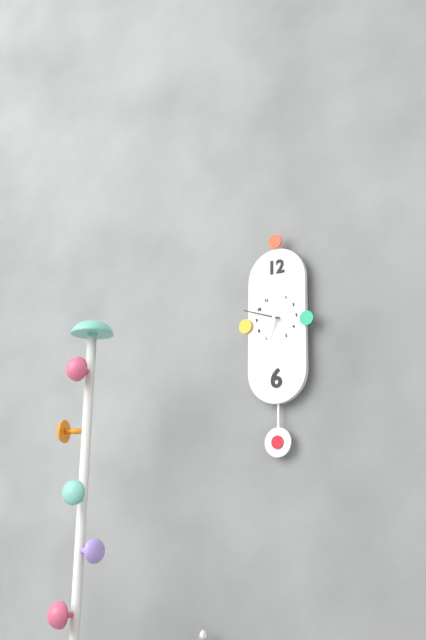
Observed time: 6:48
